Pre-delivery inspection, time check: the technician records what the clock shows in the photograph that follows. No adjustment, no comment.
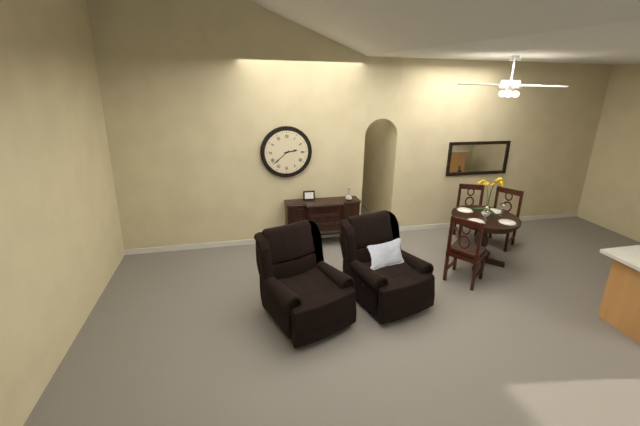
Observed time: 2:38
